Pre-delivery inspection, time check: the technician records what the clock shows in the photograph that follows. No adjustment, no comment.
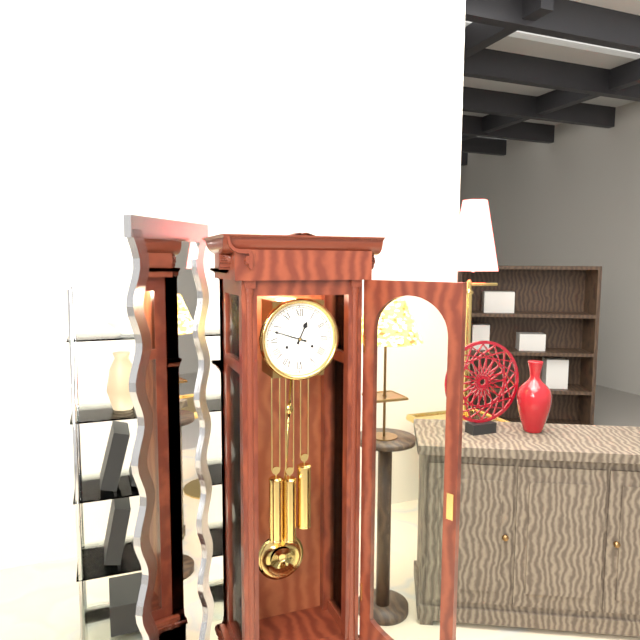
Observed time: 12:48
